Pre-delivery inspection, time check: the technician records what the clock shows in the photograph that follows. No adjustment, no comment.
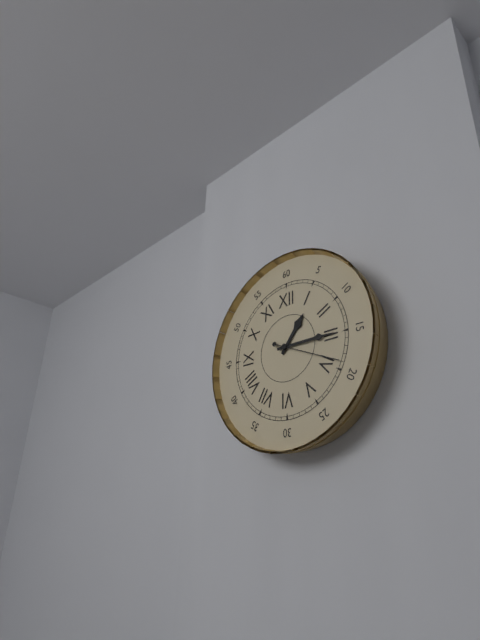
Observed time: 1:15:19
